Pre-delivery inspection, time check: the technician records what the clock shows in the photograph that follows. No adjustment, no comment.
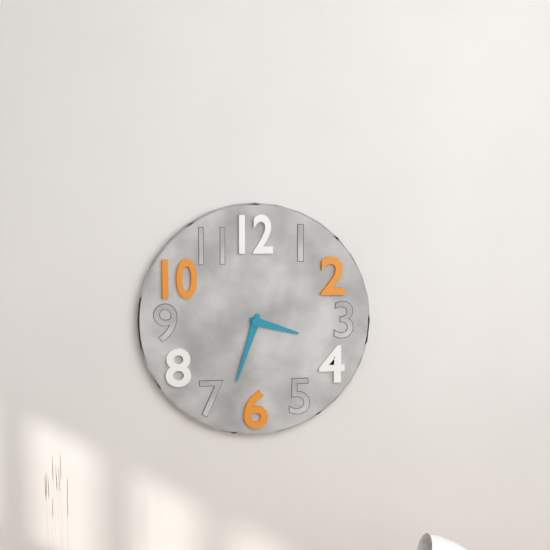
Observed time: 3:33
